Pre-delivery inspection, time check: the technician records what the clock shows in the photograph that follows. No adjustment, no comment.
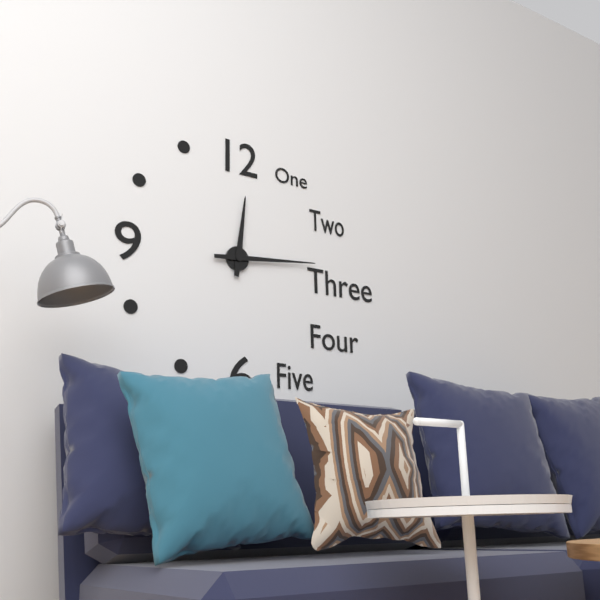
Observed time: 12:14
